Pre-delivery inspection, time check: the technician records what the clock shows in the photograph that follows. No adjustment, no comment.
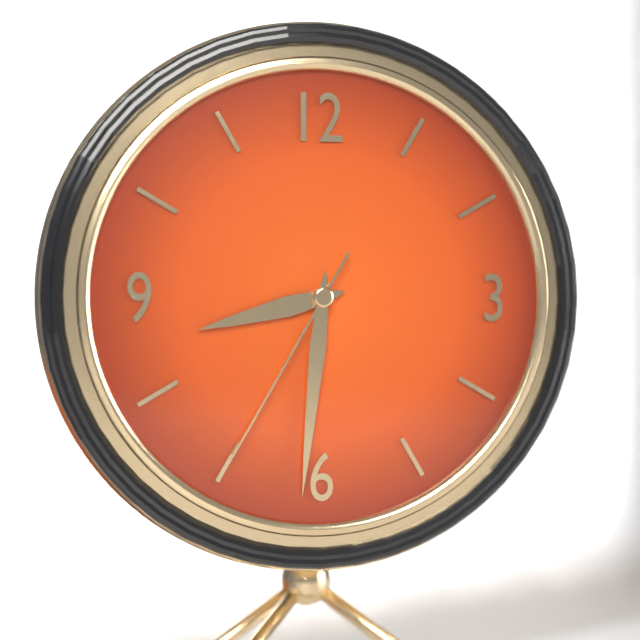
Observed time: 8:31:35
